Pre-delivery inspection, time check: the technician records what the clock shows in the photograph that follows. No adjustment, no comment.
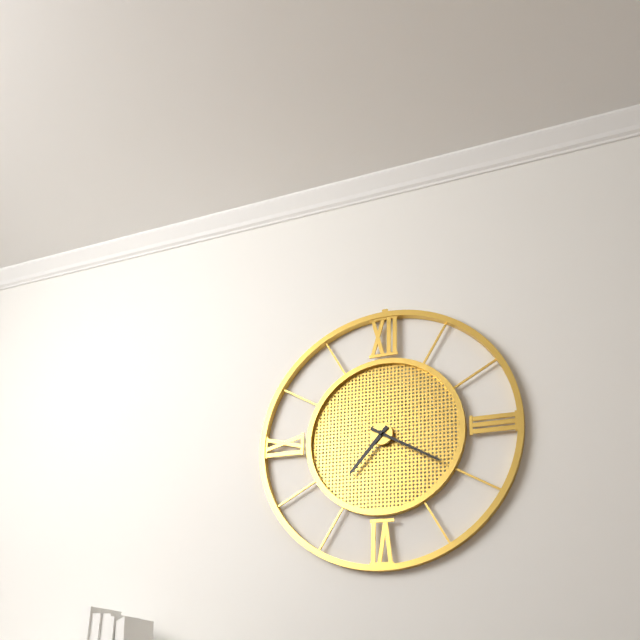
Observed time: 7:20
